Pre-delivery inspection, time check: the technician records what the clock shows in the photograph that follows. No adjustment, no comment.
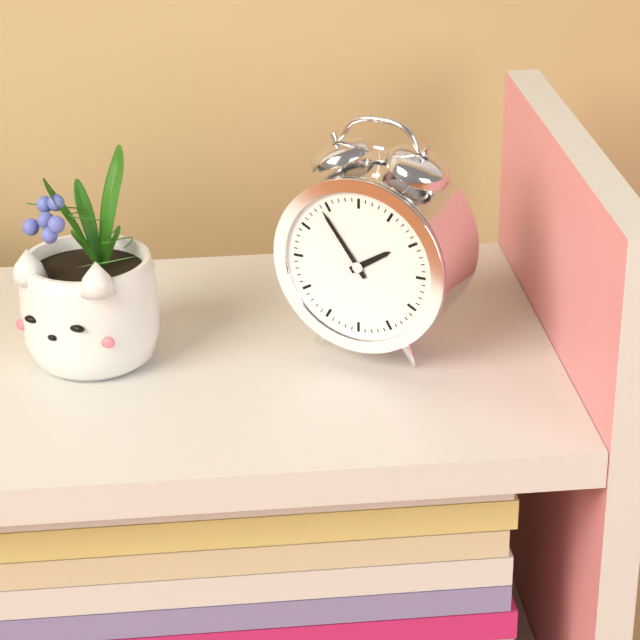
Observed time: 1:54
